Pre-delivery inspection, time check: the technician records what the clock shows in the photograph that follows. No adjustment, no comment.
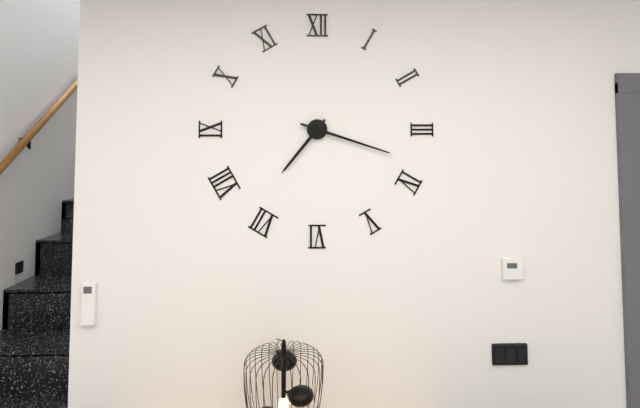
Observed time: 7:18
